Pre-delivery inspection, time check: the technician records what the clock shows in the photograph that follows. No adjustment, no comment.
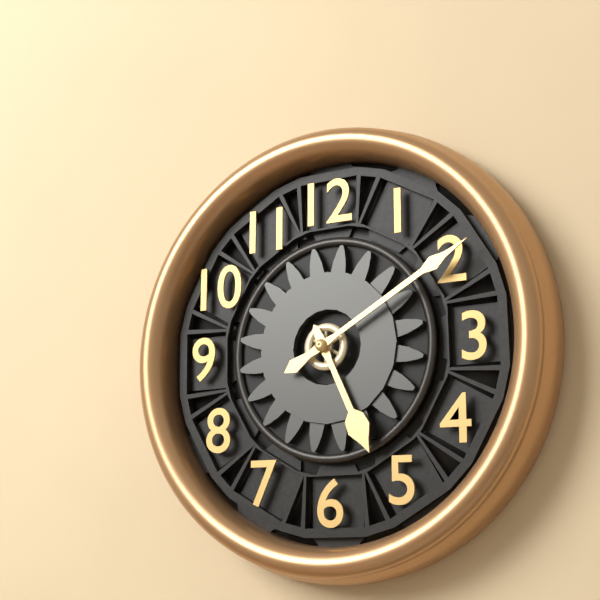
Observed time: 5:10
